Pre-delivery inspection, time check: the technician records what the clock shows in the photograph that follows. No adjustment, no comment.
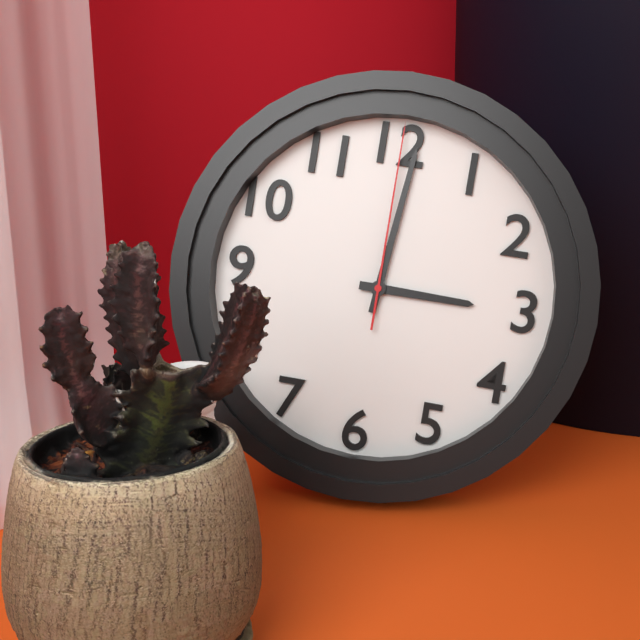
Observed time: 3:01:00
